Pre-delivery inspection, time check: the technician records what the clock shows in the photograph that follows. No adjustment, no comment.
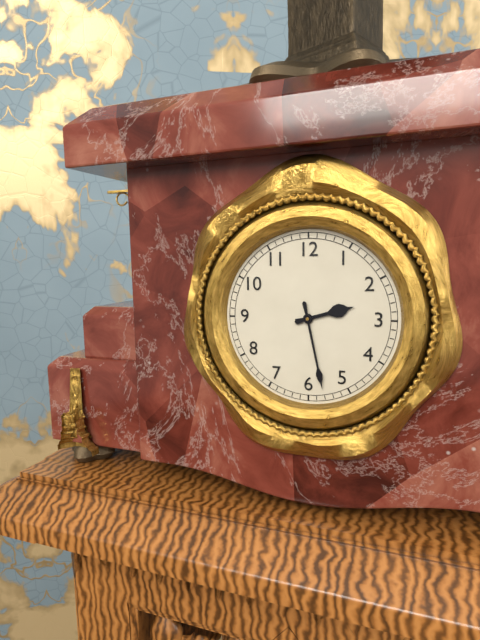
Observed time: 2:28
